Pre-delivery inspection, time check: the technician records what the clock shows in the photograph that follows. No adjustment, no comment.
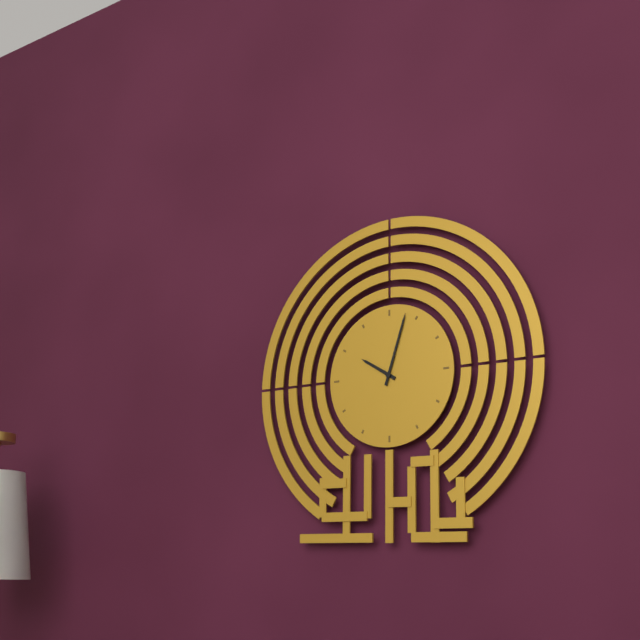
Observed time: 10:03
